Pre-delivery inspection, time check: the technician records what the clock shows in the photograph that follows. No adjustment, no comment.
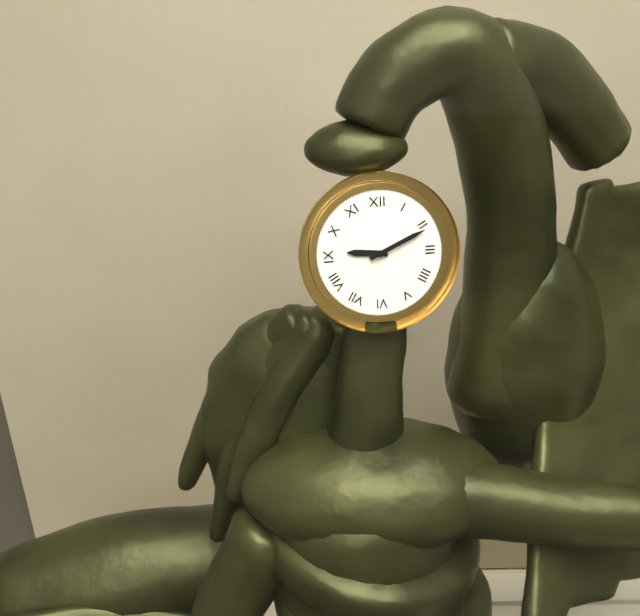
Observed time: 9:11
